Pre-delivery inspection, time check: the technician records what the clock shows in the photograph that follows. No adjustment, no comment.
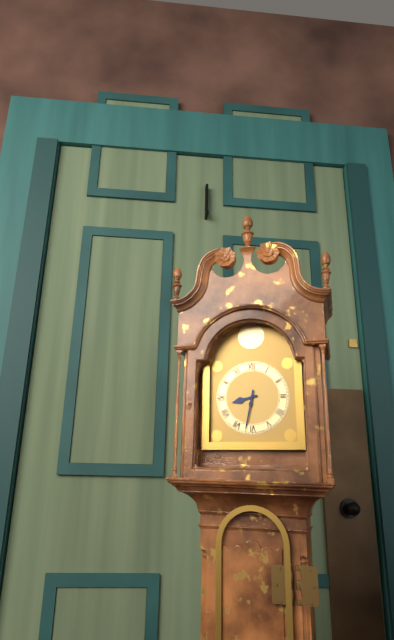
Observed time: 8:32
